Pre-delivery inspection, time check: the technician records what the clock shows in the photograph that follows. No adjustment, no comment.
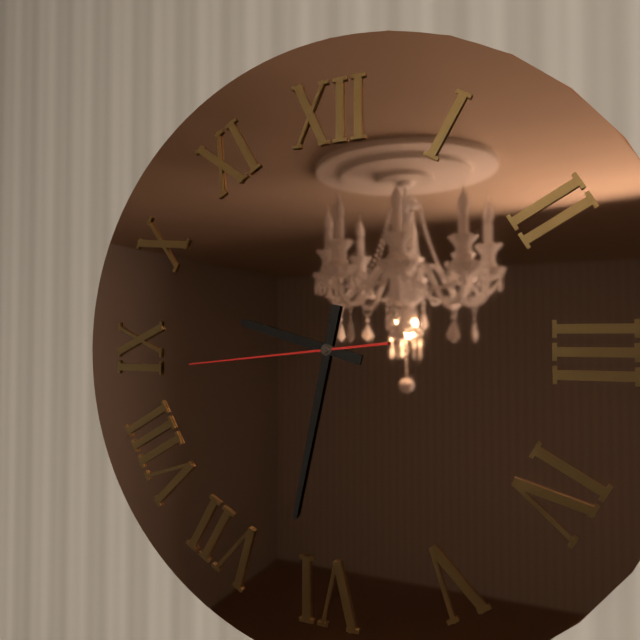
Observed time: 9:32:44
